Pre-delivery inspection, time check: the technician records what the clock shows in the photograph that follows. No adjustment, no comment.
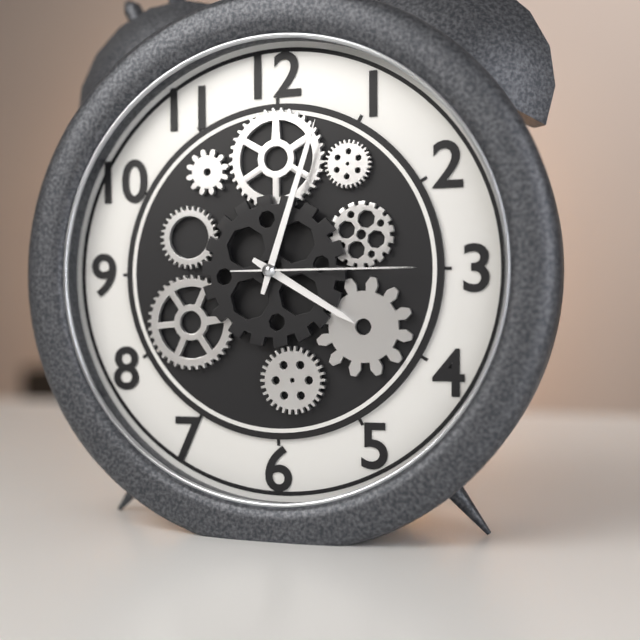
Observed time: 4:03:15
